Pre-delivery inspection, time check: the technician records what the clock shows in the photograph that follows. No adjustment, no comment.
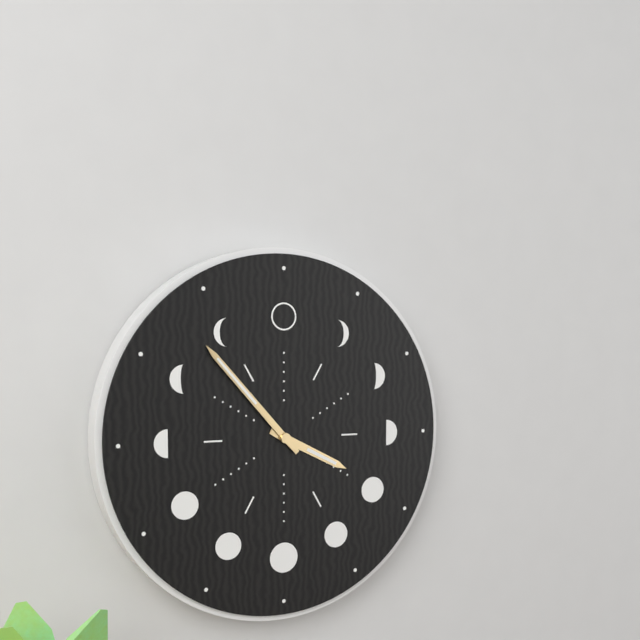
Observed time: 3:53
